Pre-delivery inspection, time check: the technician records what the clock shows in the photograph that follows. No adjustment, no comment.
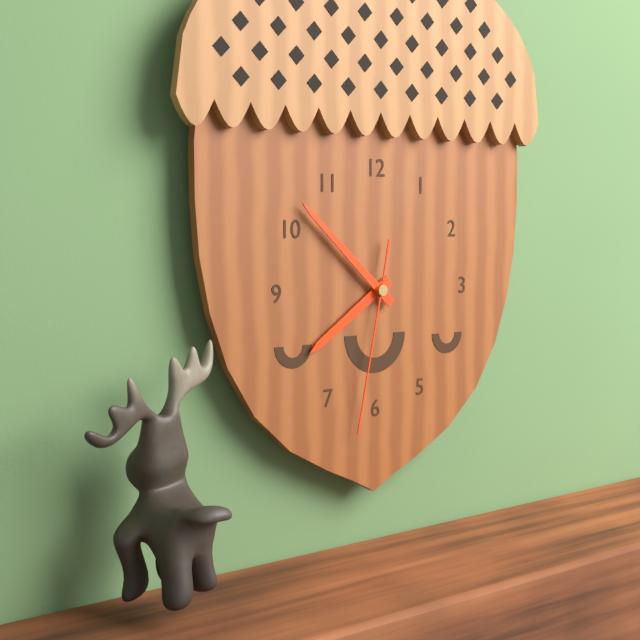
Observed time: 7:52:32
